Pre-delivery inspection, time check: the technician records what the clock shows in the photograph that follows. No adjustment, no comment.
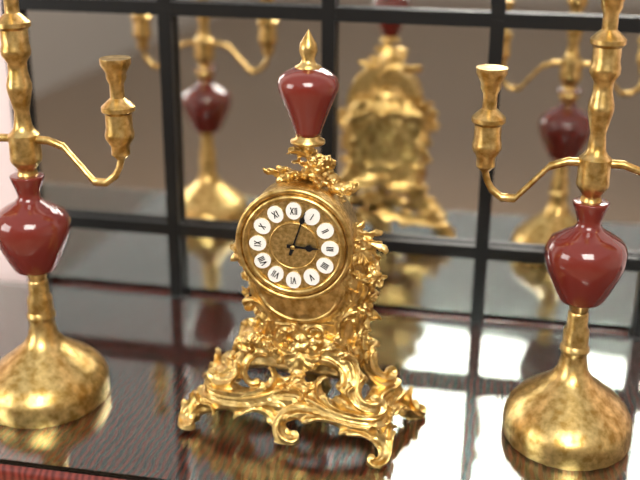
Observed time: 3:03
